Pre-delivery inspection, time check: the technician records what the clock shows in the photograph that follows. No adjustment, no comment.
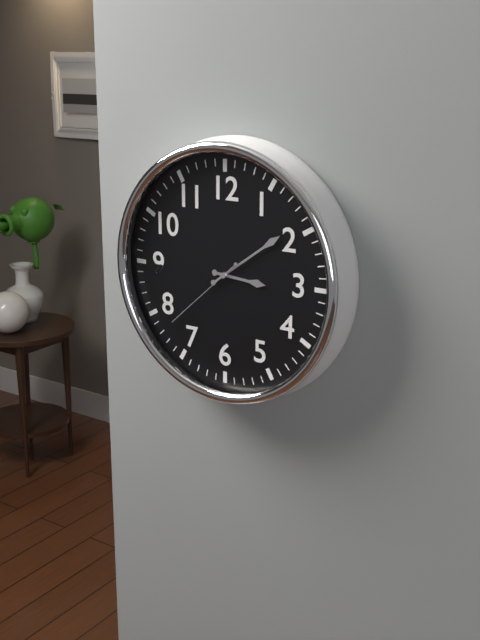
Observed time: 3:09:38
